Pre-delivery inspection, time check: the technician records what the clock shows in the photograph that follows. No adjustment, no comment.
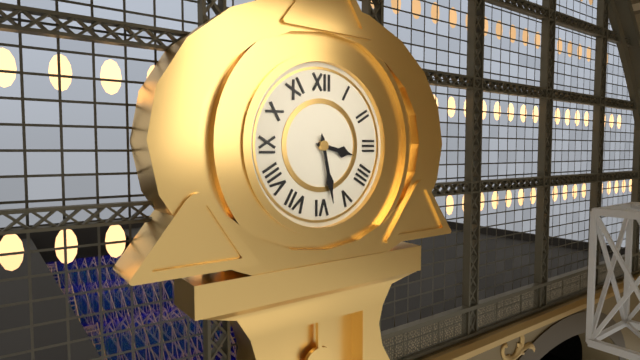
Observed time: 3:28
